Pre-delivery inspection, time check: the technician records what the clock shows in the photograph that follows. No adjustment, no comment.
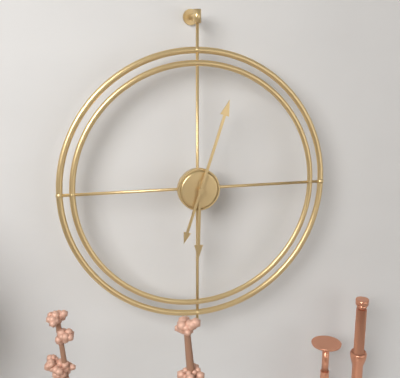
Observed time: 6:03
